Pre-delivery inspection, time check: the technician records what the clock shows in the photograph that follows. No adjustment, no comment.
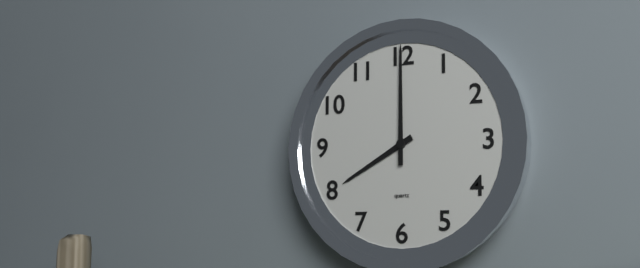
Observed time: 8:00
